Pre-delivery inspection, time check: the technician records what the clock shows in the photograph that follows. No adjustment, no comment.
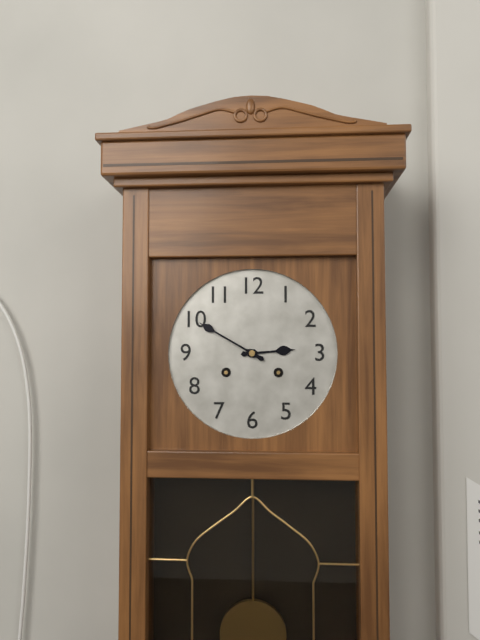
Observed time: 2:50
